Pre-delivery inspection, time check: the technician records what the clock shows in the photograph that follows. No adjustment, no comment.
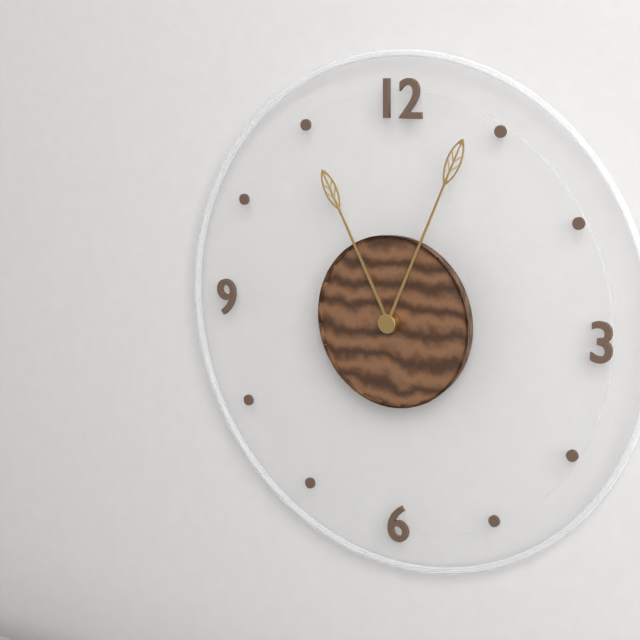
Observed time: 11:04
